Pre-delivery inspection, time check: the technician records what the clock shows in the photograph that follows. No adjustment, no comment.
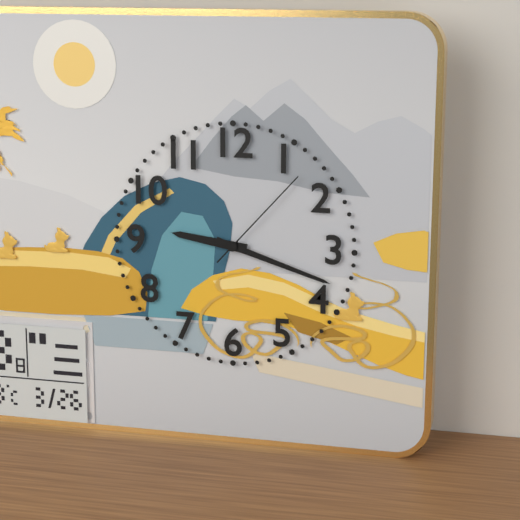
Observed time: 9:18:07
